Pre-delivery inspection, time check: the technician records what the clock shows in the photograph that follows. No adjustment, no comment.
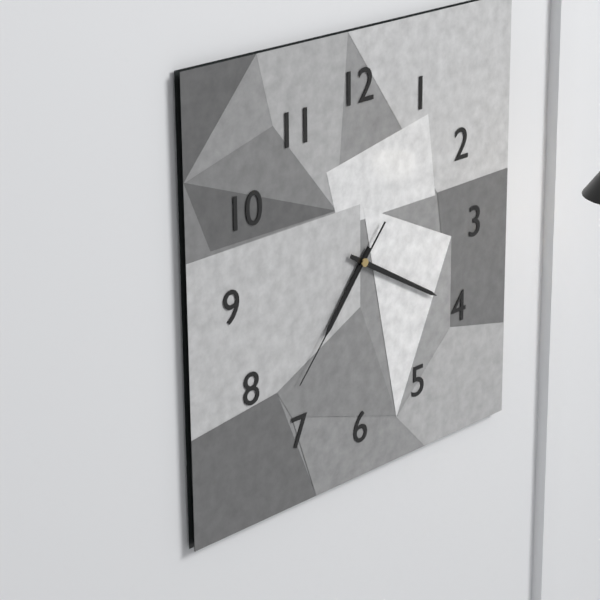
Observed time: 7:20:37
